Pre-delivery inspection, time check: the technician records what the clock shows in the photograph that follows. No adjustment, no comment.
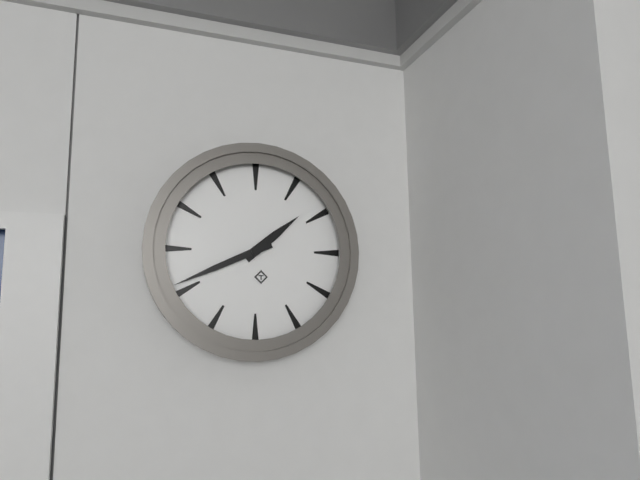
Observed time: 1:41
